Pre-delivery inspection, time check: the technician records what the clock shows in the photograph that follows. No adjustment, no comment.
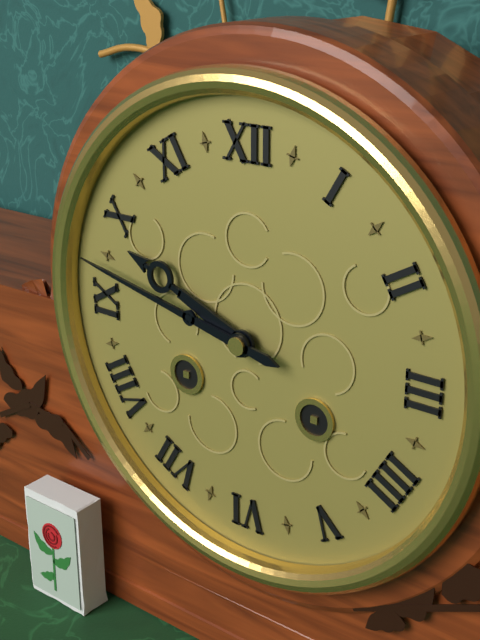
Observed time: 9:47
